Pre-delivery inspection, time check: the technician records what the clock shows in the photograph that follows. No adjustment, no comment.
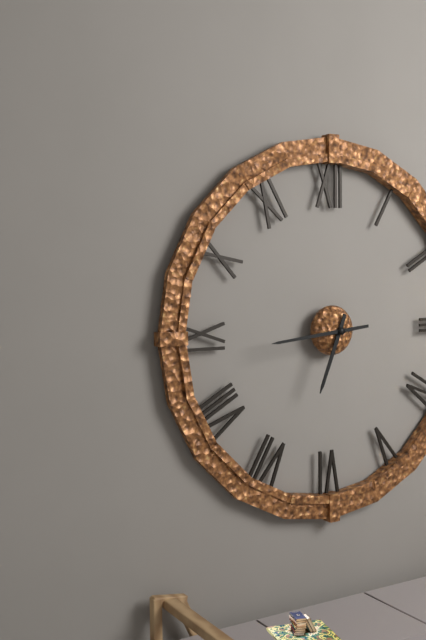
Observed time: 6:44
